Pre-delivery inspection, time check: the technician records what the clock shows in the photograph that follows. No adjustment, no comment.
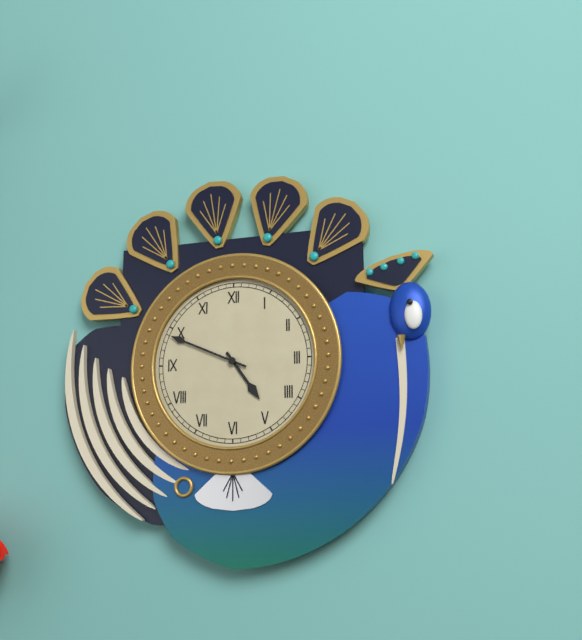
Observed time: 4:49
